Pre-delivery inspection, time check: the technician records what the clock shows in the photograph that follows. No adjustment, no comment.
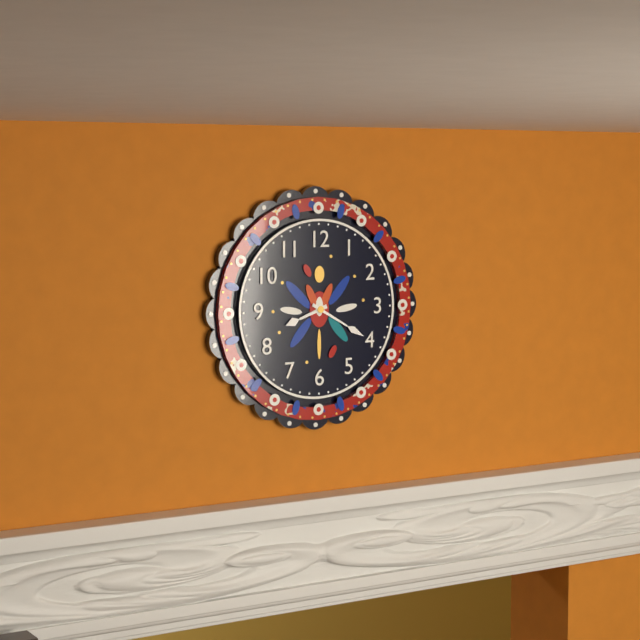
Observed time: 8:20
